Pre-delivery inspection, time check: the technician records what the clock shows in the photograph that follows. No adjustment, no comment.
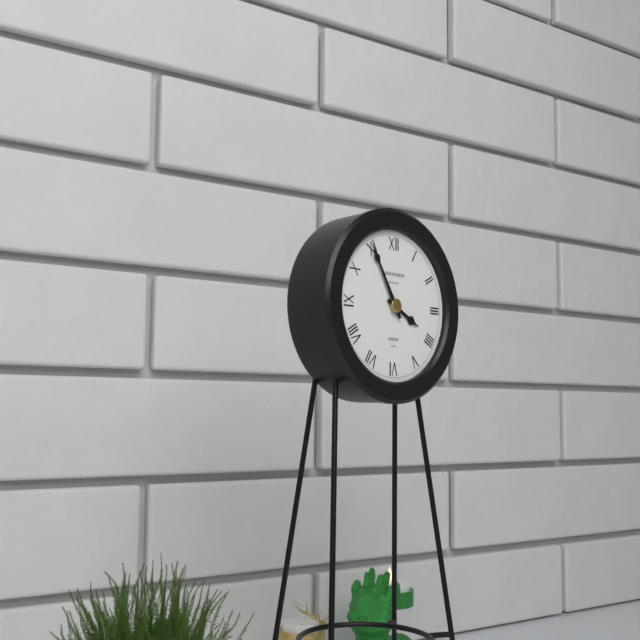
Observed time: 3:55
